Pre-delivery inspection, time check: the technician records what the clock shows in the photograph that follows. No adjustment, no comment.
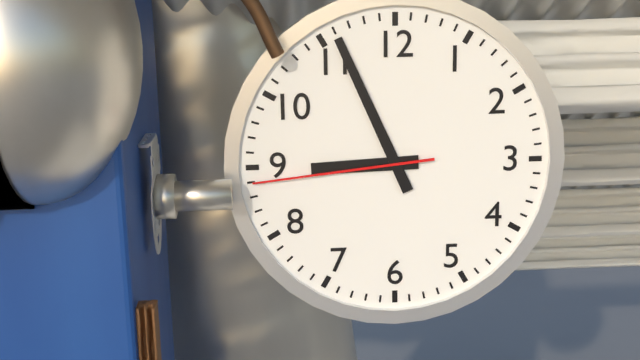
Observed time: 8:56:44
